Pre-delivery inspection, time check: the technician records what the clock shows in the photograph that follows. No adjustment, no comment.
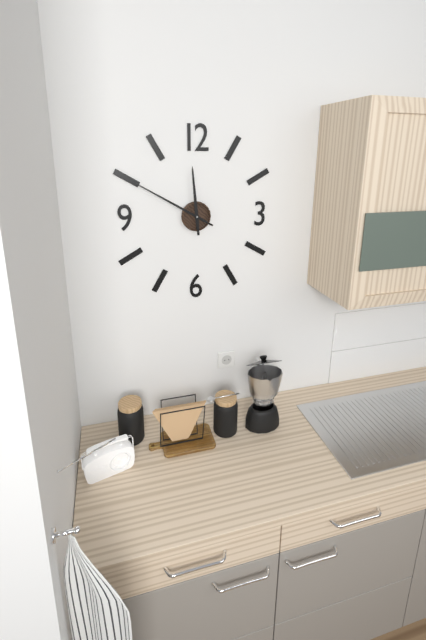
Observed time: 11:50
